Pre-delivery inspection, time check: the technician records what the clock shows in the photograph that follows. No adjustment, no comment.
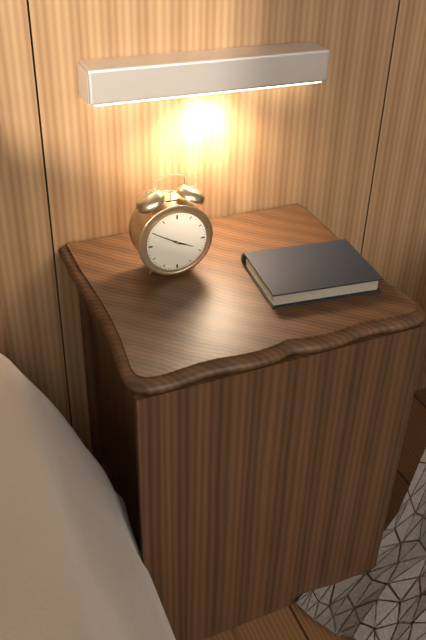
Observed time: 3:50
